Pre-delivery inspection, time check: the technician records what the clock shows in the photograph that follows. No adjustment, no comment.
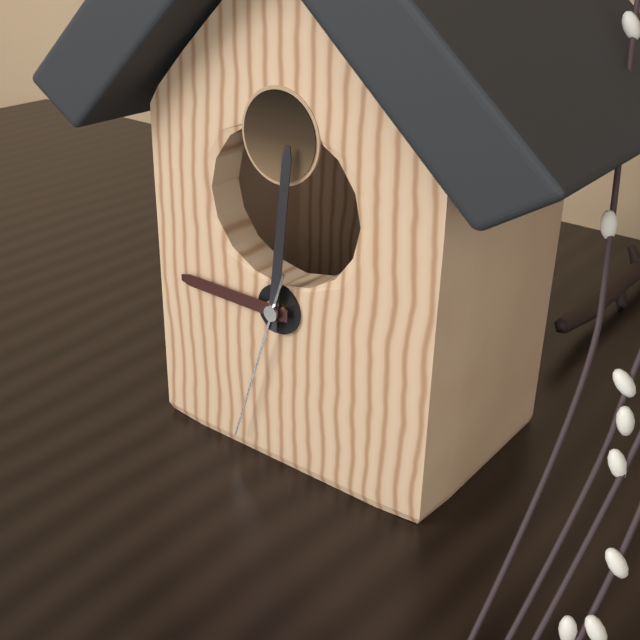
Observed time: 9:01:33
